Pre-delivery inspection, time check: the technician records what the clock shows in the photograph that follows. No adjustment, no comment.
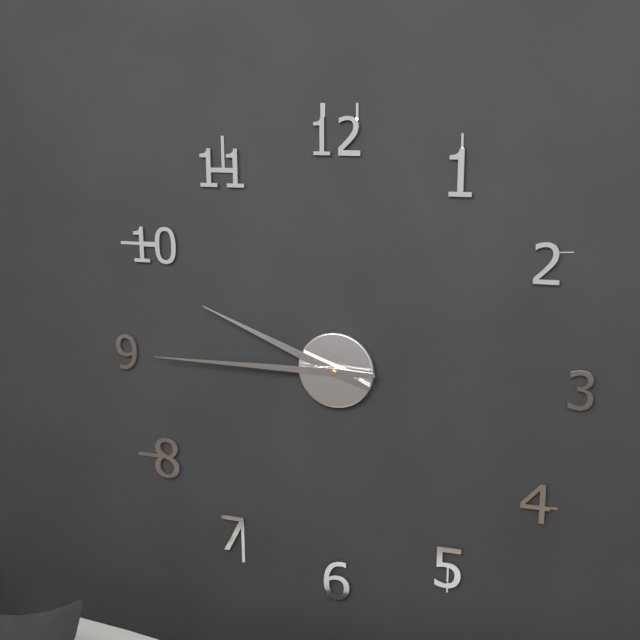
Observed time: 9:45
